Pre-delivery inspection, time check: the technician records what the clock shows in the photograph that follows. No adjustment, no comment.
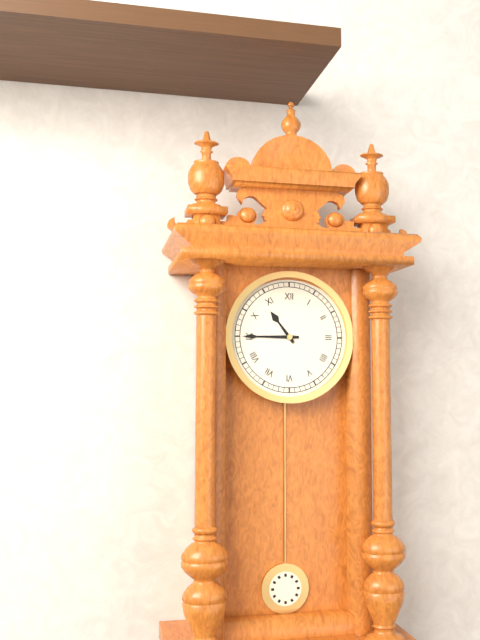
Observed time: 10:45
